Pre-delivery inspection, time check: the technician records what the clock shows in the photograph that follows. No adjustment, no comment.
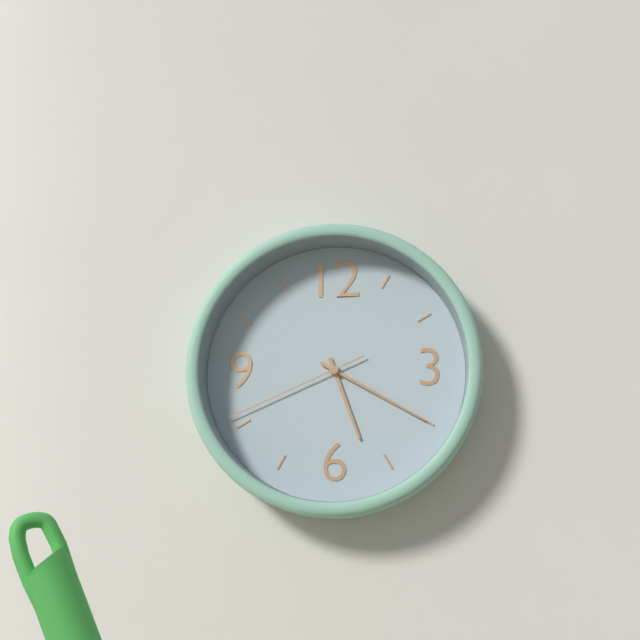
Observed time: 5:20:41
